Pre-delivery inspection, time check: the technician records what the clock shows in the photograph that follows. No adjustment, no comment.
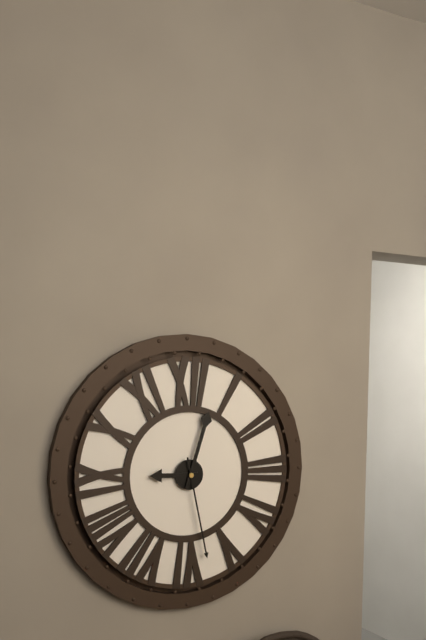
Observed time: 9:03:28
